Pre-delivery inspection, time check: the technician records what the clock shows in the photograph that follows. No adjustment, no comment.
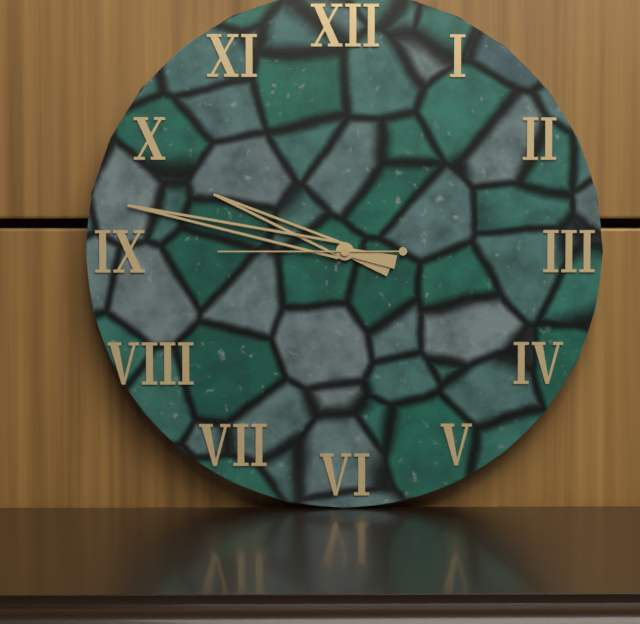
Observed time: 9:47:45
